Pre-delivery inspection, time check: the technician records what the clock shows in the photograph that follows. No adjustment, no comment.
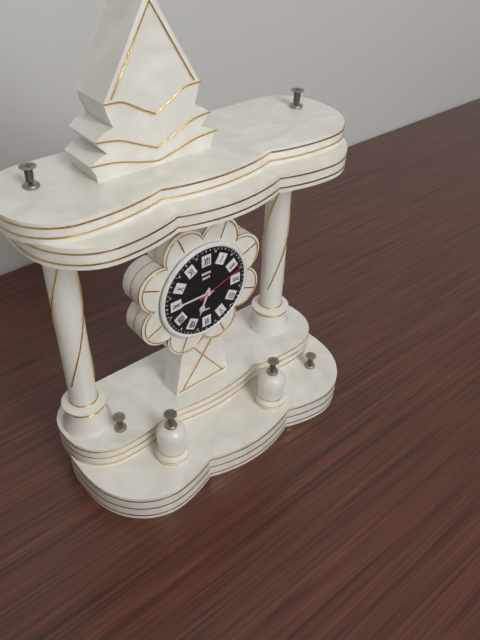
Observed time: 6:45:12
